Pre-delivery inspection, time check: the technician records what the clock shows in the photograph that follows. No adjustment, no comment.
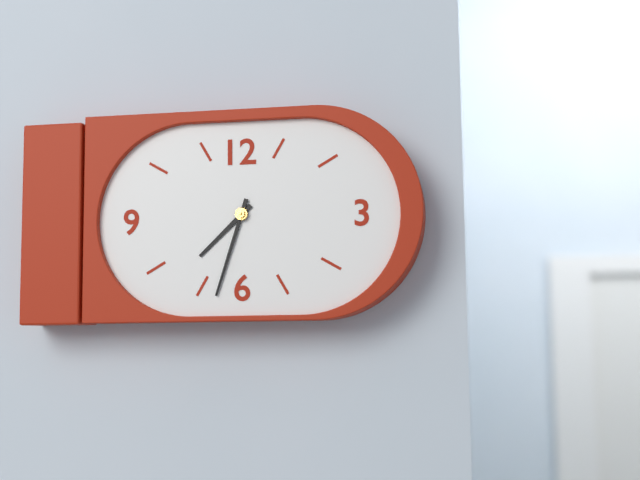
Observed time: 7:33
